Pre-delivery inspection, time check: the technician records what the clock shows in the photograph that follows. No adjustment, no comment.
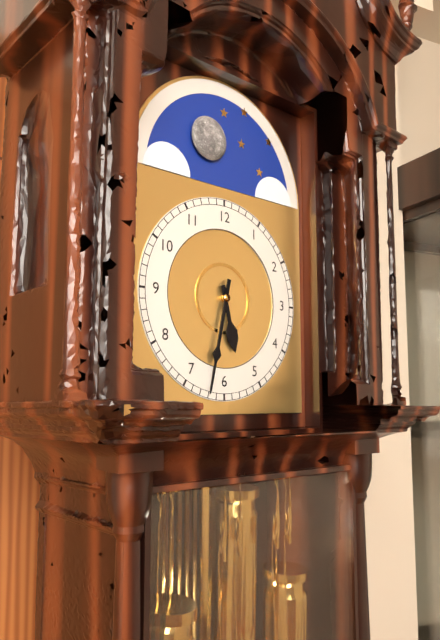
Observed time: 5:32
